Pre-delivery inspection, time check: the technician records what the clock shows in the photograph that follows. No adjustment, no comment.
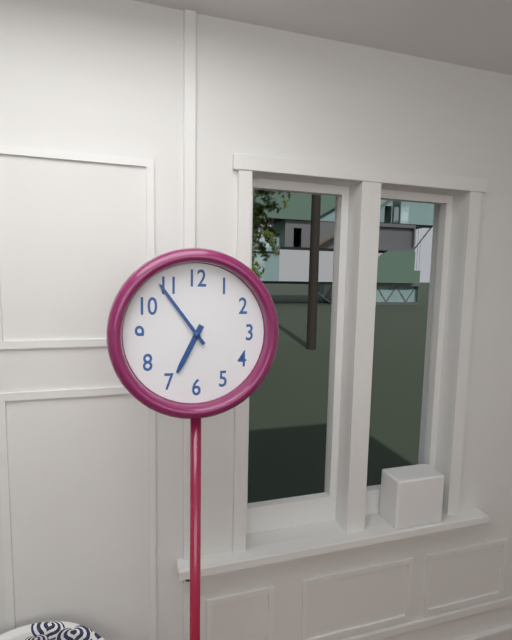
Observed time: 6:54
